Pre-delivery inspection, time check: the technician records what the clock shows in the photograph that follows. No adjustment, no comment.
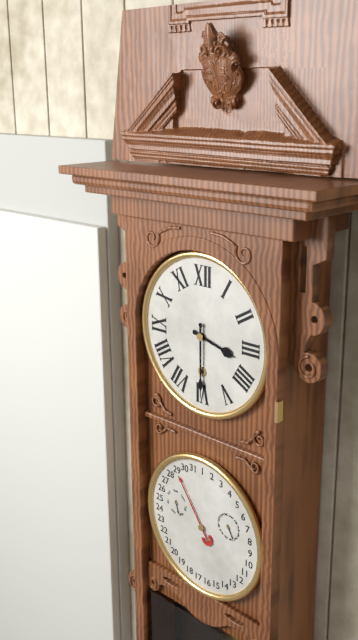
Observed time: 3:30
